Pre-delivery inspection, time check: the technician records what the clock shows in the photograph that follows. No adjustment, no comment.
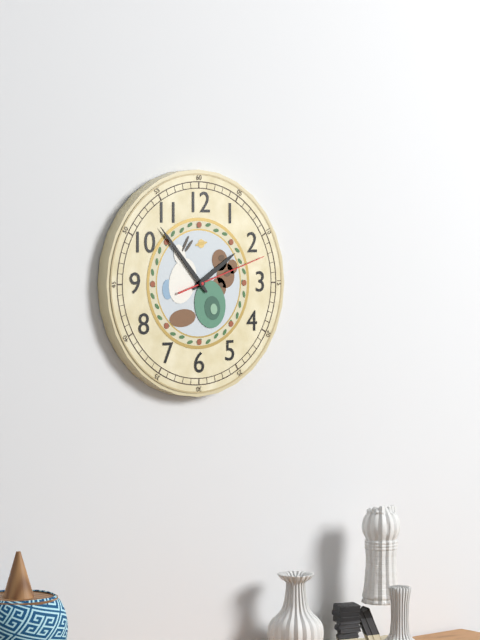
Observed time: 1:53:12
